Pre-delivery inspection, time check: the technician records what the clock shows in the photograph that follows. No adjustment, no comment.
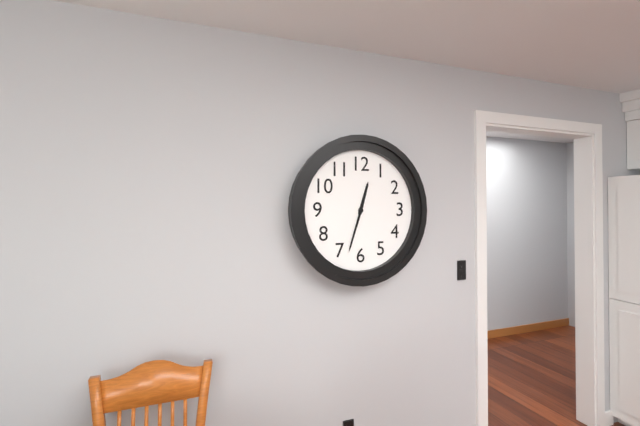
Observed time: 12:33
